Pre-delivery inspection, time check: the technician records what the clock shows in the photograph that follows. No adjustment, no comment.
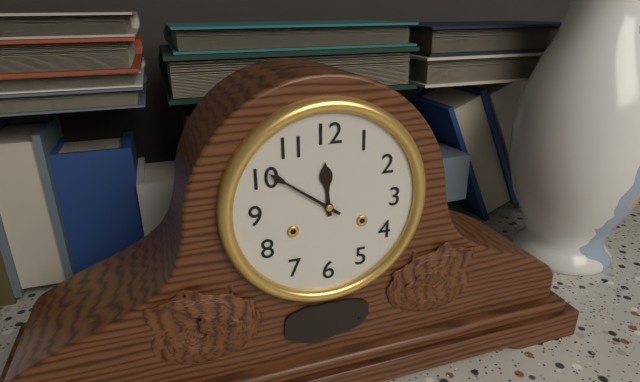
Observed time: 11:51
